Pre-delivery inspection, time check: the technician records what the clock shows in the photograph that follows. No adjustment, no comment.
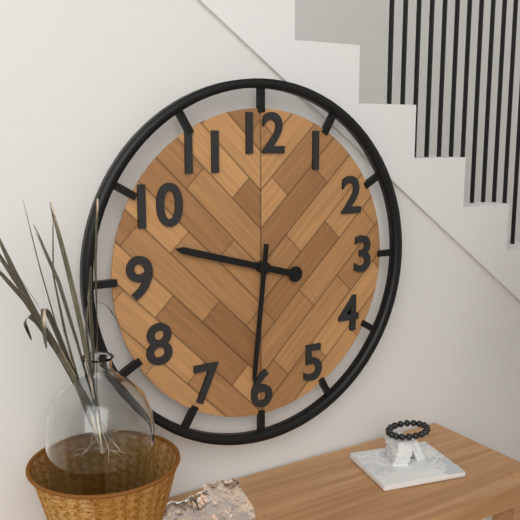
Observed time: 9:31
